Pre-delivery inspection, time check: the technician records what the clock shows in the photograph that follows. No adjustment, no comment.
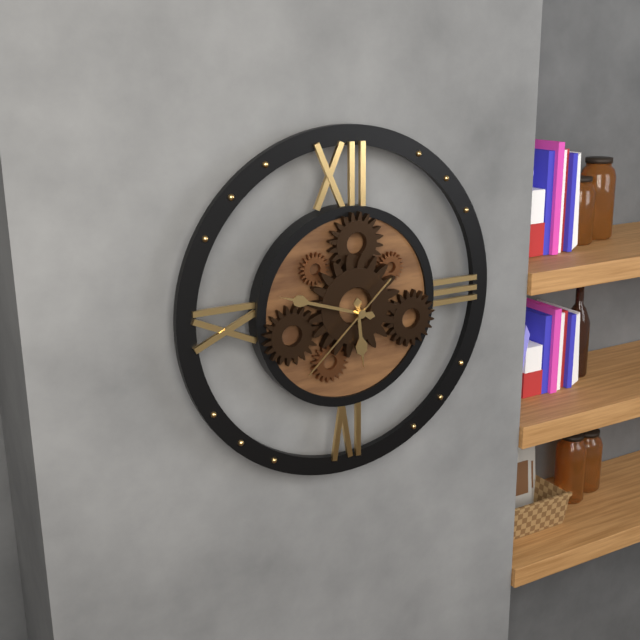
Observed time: 5:48:38
